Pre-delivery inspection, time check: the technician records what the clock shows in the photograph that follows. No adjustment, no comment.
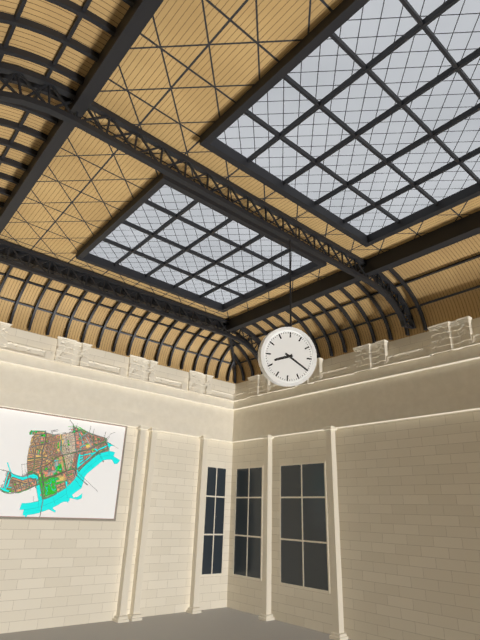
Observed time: 8:20
